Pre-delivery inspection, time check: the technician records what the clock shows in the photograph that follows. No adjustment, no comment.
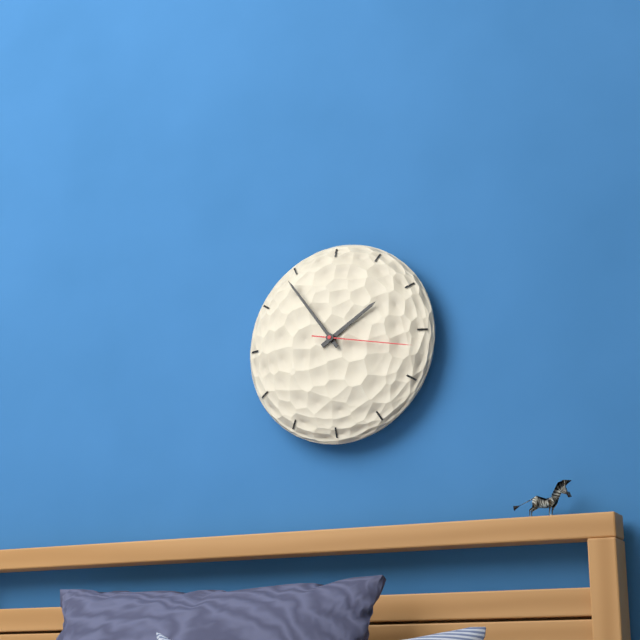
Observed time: 1:54:17
